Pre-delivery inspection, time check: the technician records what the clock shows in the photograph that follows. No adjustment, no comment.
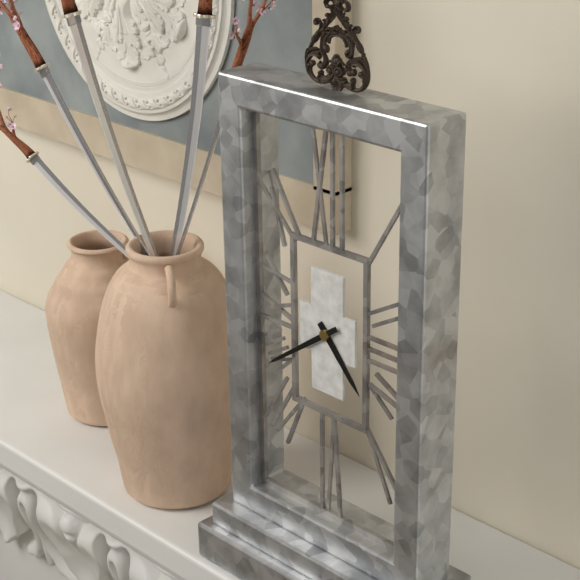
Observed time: 4:39
